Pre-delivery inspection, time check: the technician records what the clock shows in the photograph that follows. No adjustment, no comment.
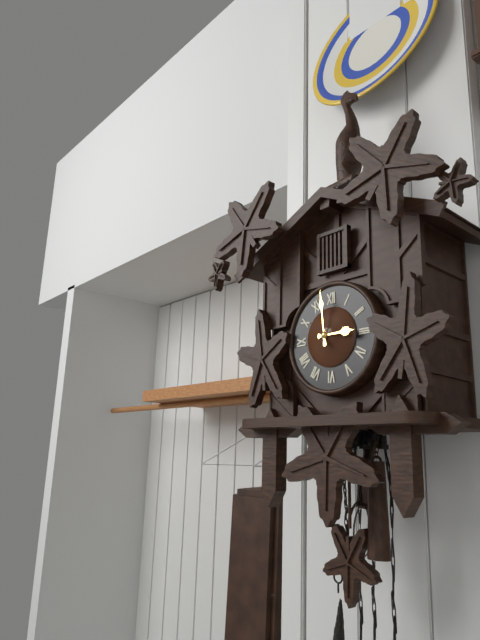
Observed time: 2:59
